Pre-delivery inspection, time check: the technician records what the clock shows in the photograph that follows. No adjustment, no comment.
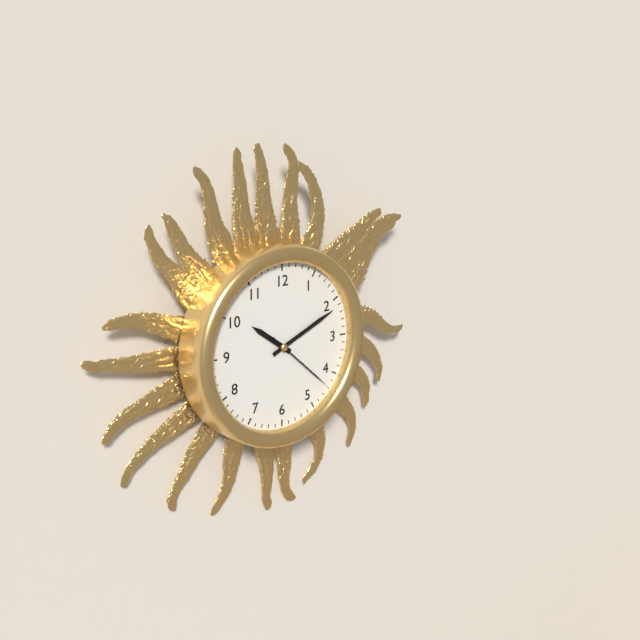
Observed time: 10:11:22
